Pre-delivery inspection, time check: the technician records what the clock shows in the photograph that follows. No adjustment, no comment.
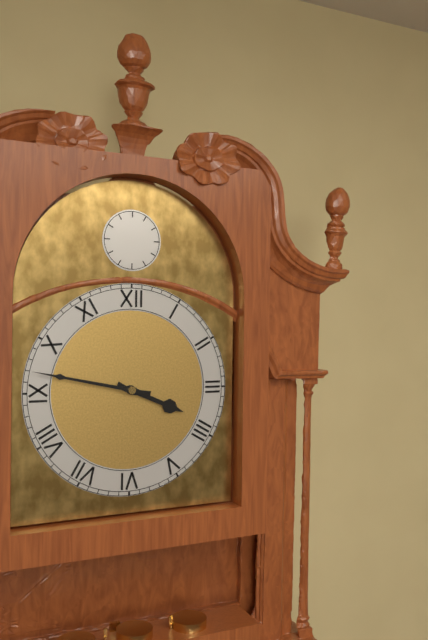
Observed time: 3:47
